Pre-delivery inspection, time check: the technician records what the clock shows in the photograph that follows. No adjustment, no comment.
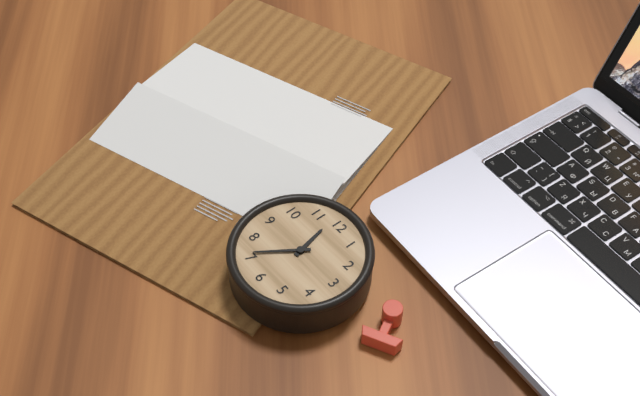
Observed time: 11:36
